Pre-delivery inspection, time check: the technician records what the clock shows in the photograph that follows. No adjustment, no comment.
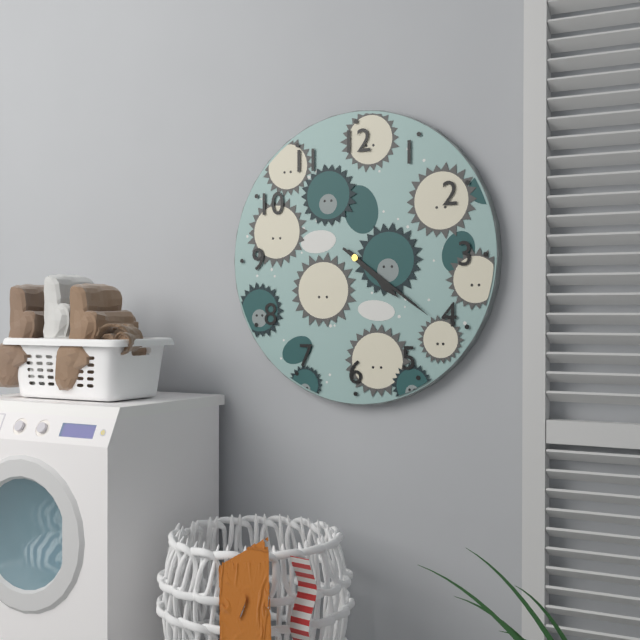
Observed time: 4:21
